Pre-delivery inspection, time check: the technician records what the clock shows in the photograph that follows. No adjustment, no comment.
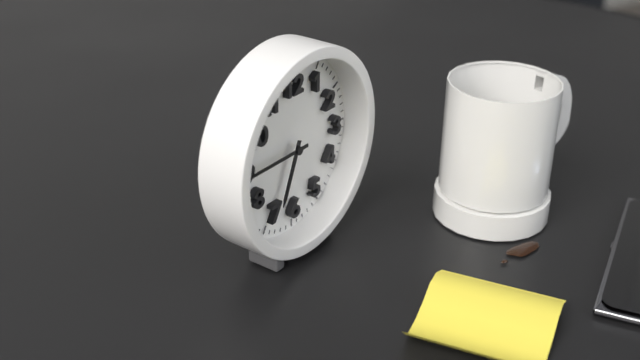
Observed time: 6:45
